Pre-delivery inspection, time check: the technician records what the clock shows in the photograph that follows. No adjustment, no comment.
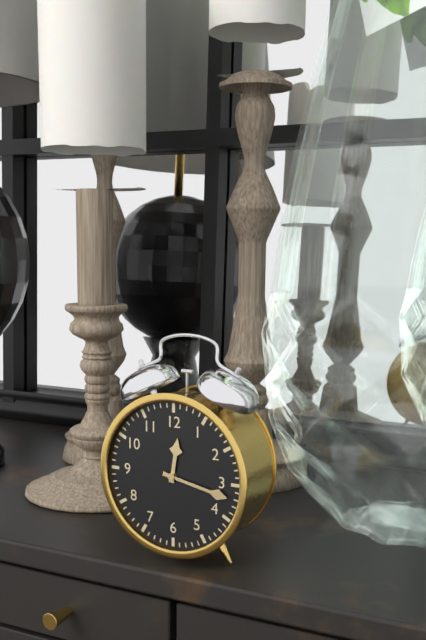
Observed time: 12:17
